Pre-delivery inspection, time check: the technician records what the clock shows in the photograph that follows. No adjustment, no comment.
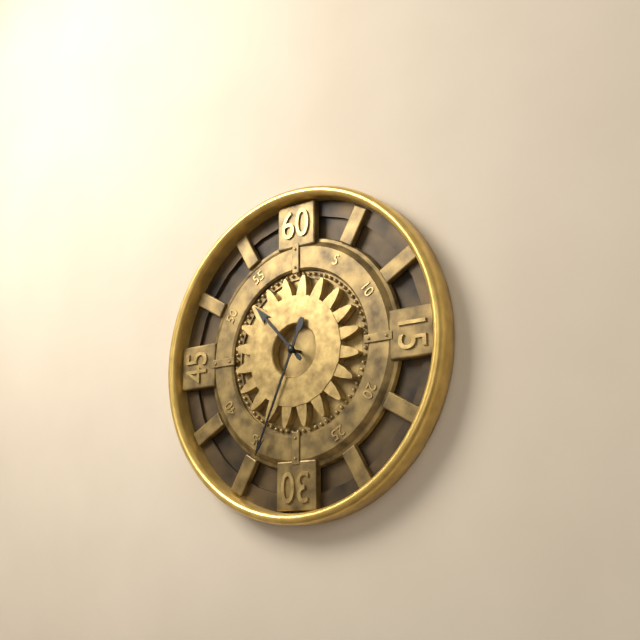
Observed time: 10:34
